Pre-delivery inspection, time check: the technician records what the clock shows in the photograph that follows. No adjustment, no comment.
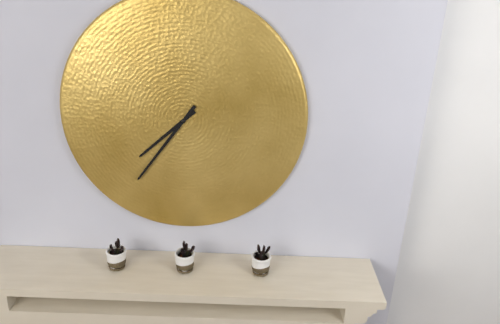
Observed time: 7:36
